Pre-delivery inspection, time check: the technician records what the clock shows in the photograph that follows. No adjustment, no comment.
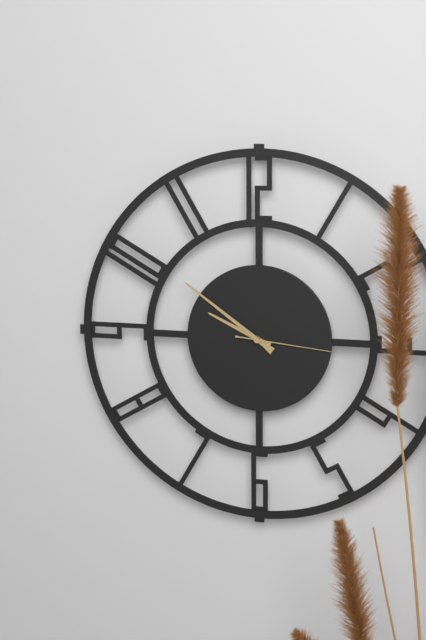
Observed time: 9:51:16
